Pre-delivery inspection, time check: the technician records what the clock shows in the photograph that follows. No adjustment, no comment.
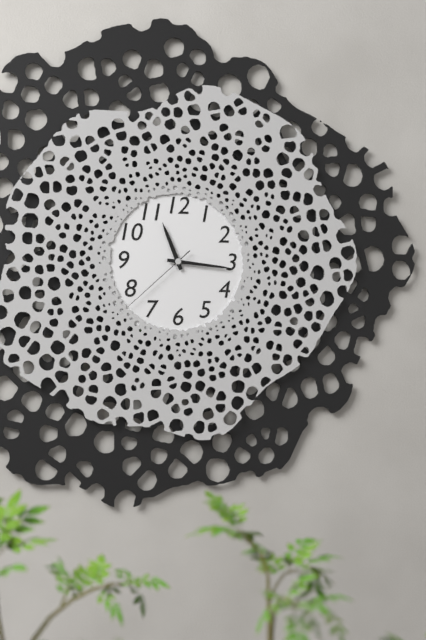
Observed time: 11:16:38
